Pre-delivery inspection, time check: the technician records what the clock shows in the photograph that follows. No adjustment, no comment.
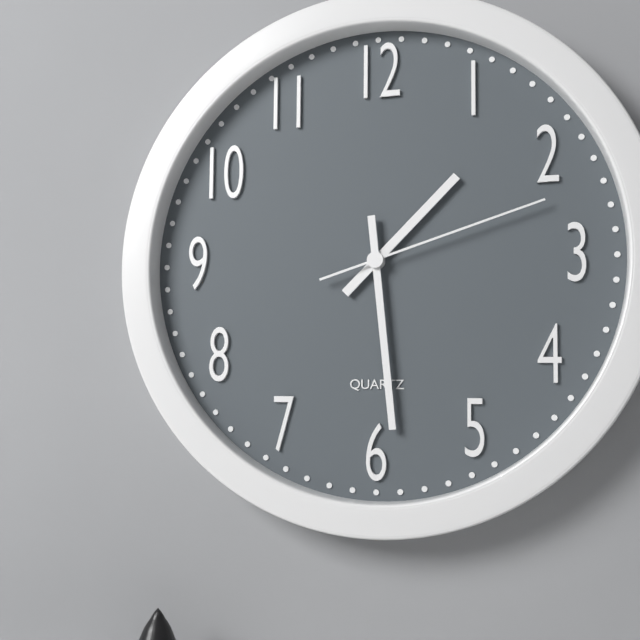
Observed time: 1:29:12
